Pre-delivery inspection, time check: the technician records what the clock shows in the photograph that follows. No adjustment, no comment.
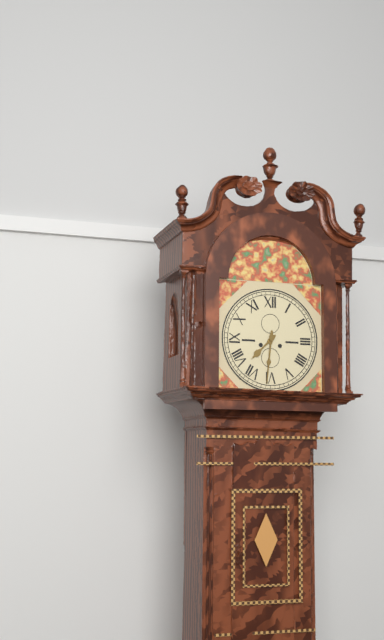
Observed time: 7:31
